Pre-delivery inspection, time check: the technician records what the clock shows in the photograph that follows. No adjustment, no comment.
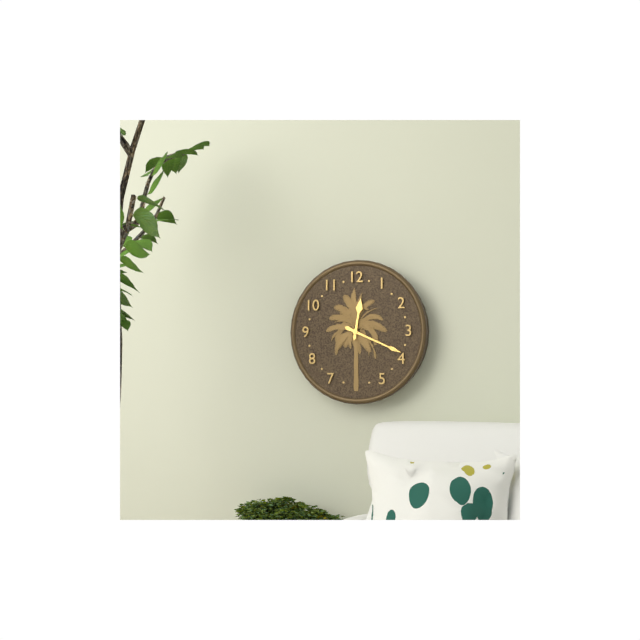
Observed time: 12:19
